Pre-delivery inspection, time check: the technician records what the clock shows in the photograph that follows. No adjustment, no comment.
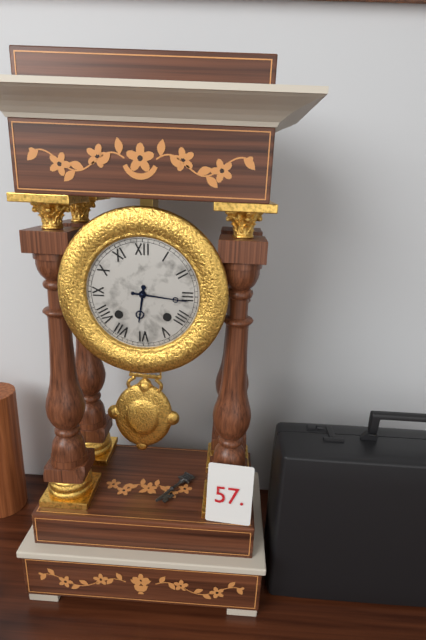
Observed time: 6:16
